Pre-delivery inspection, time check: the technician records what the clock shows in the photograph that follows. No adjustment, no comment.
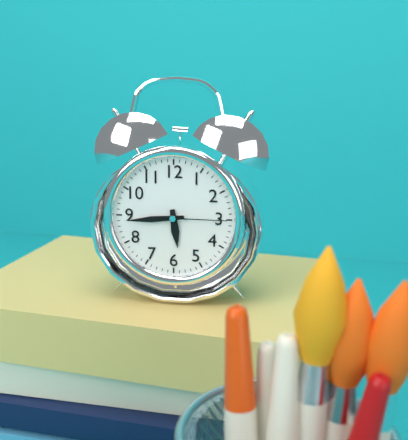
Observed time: 5:44:15
